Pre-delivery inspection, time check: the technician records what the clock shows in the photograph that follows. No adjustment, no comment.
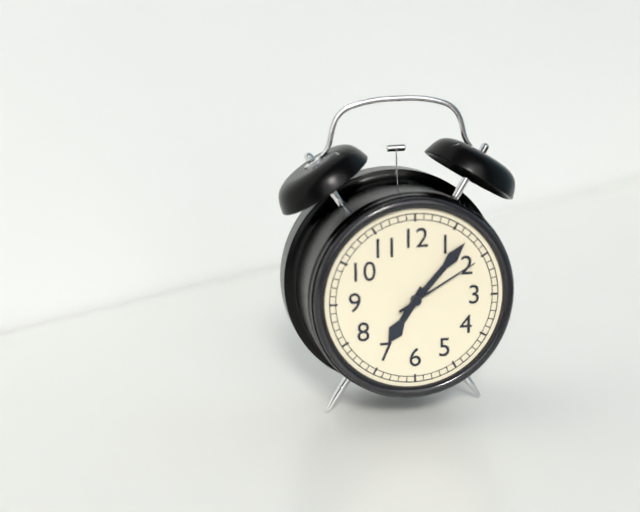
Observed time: 7:07:10
